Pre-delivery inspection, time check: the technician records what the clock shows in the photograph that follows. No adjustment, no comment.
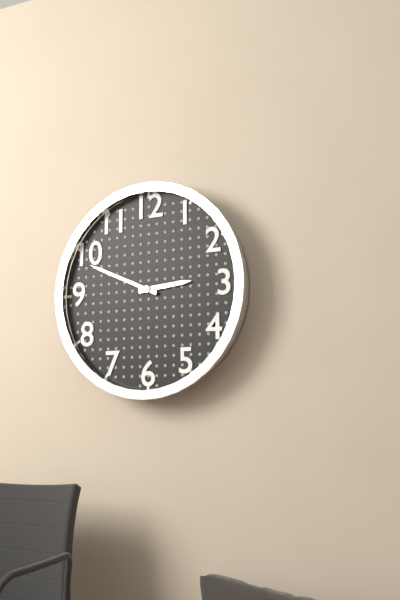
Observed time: 2:49
